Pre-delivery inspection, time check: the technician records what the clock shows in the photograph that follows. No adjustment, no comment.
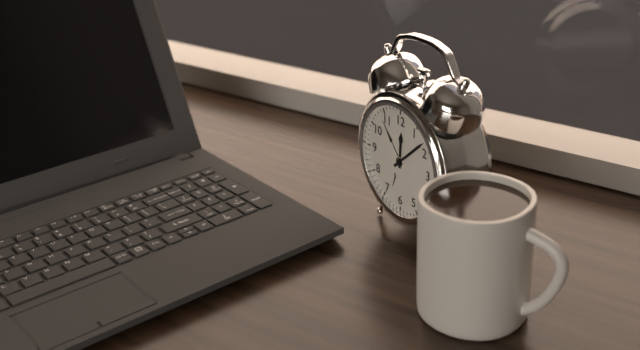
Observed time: 12:08
